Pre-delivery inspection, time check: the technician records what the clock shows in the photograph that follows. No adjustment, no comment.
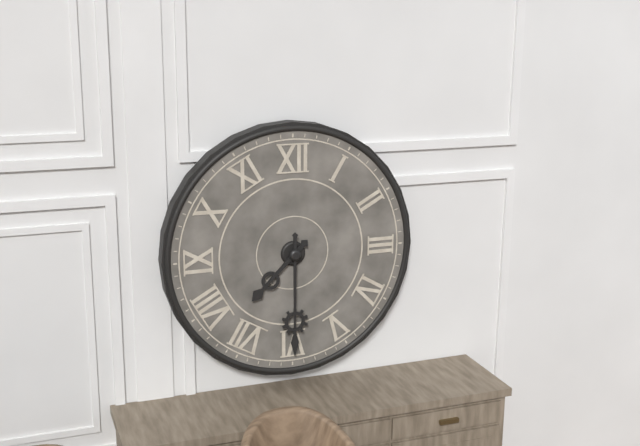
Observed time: 7:30
